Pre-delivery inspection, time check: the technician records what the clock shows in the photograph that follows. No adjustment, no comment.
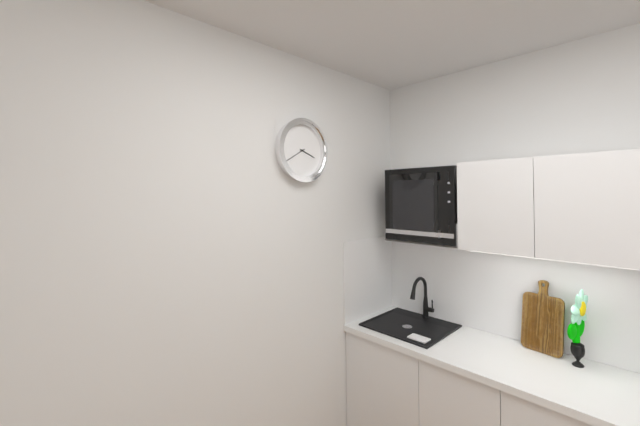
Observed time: 3:40
